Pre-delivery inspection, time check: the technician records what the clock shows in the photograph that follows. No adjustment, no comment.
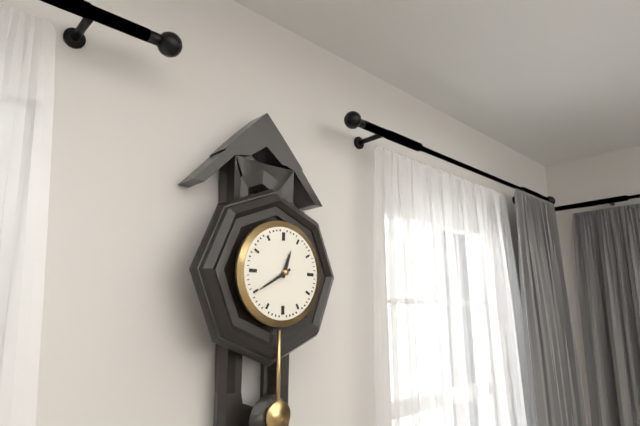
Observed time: 12:40
